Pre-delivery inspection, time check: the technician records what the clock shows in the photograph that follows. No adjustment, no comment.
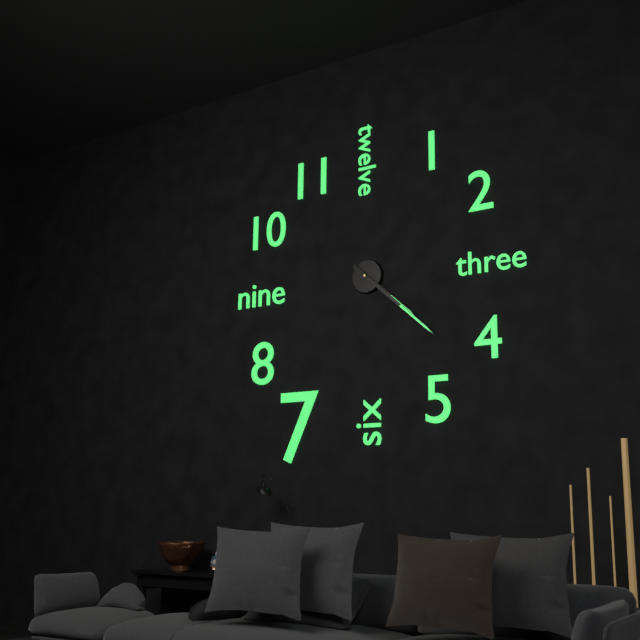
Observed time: 4:22
